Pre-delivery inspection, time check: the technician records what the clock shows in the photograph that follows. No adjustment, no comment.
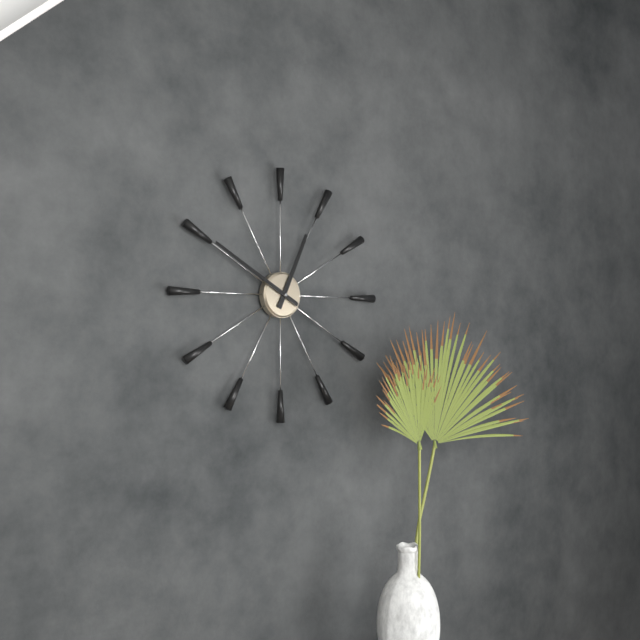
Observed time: 12:50
